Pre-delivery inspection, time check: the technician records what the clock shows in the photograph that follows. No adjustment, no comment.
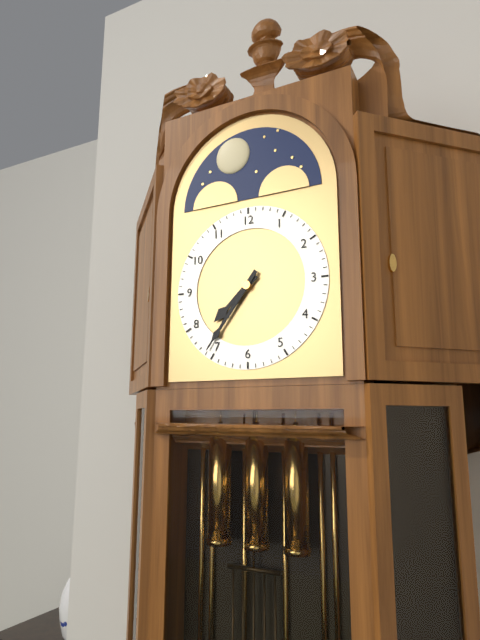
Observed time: 7:36
